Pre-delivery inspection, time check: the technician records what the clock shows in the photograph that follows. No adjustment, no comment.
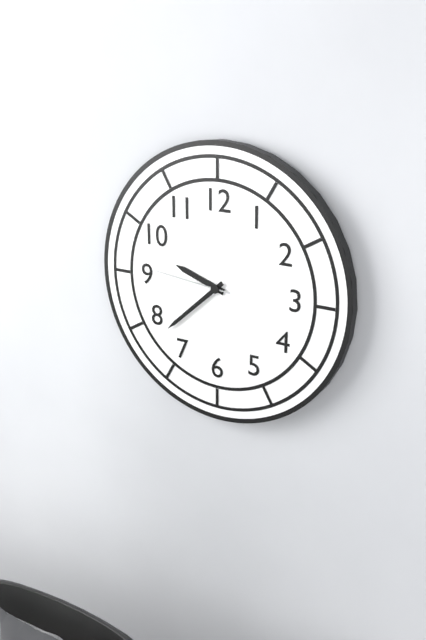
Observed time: 9:38:46
